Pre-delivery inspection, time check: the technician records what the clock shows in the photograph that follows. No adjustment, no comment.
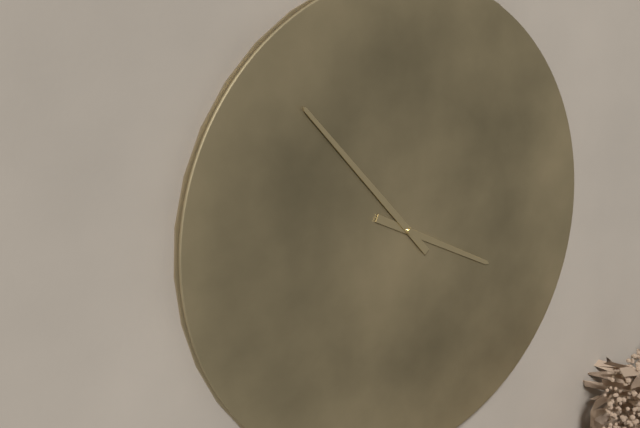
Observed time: 3:53
